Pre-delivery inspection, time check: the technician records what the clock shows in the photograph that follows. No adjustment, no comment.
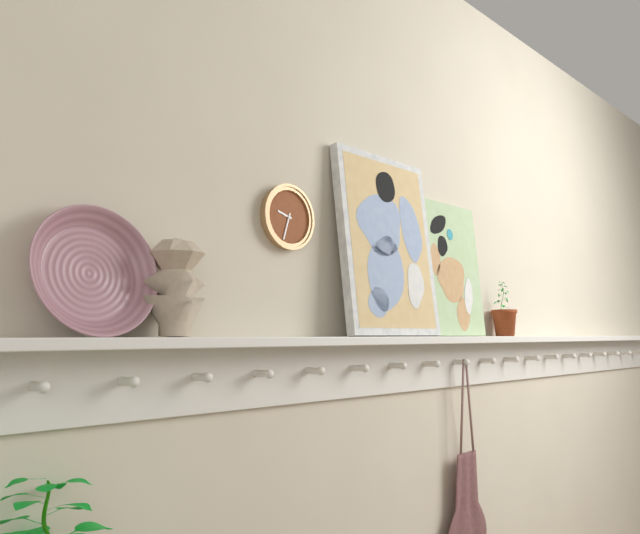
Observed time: 9:33
